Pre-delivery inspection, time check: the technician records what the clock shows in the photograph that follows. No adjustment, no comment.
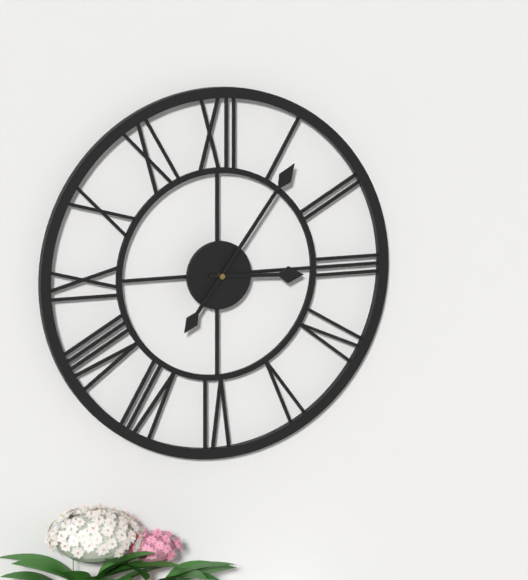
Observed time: 3:06
